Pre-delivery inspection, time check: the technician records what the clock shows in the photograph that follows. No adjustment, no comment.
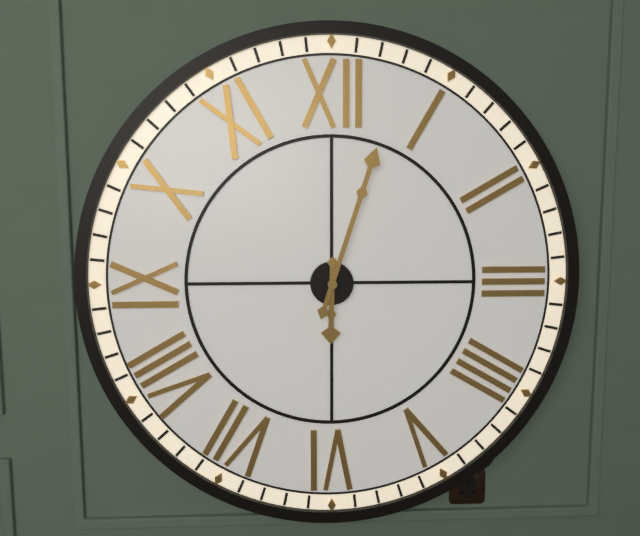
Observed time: 6:03
